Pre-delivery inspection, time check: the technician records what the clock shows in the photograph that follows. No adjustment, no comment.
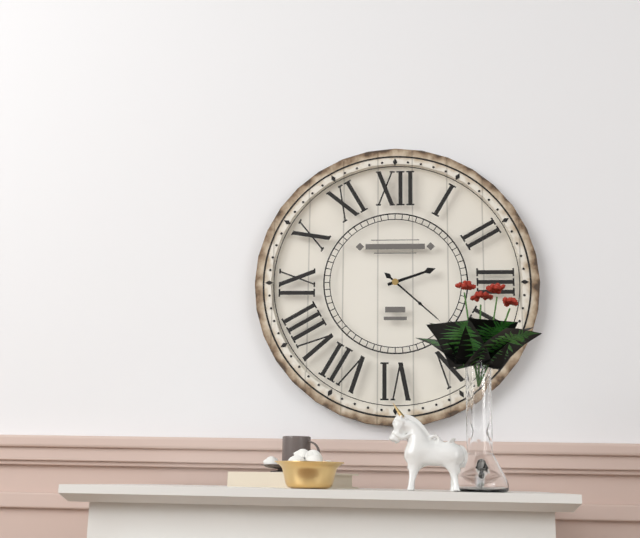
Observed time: 2:22
